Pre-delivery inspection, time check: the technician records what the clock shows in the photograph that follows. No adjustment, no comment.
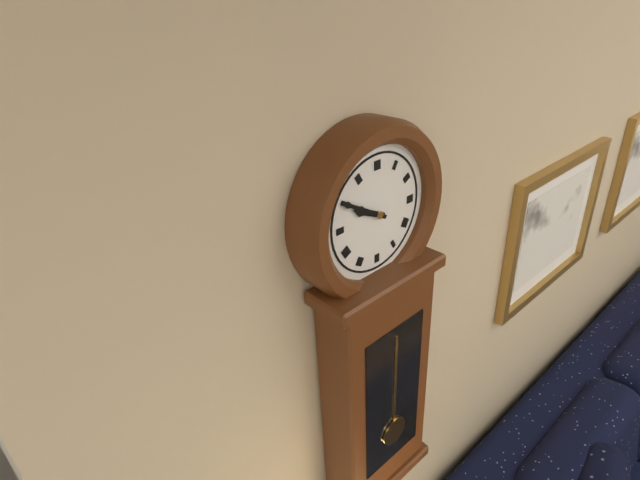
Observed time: 9:50
